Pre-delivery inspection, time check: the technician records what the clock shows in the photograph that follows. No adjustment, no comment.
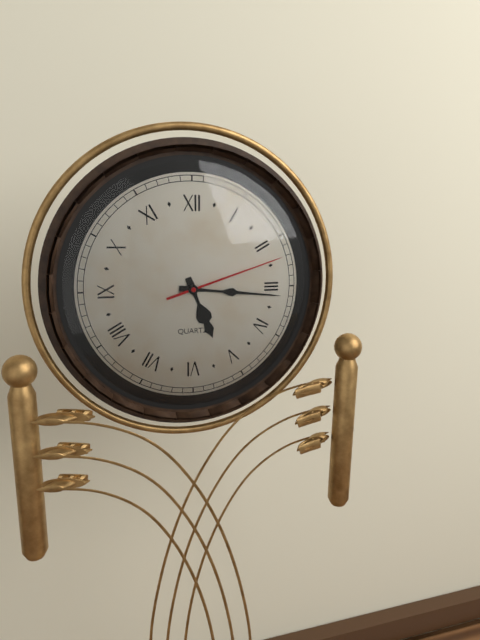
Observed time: 5:16:12
